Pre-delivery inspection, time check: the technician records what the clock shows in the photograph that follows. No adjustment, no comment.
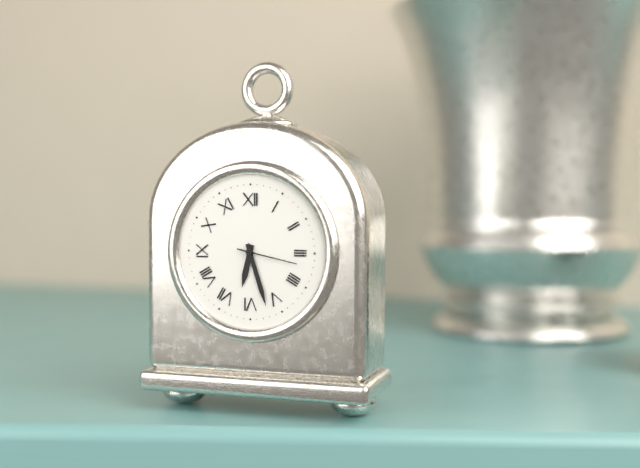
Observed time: 6:27:17
